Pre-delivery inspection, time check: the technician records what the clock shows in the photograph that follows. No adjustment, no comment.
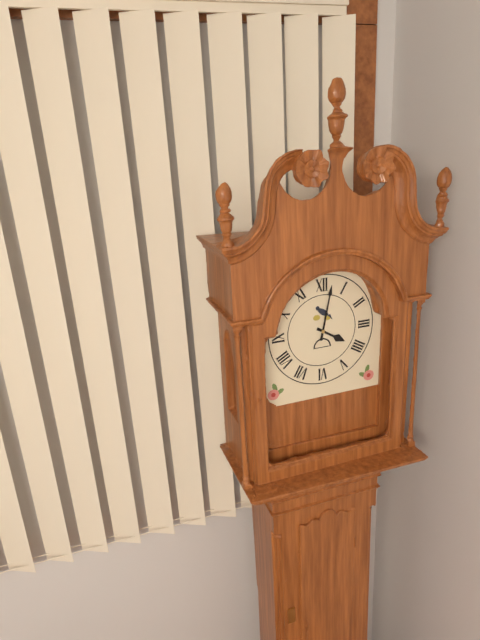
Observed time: 4:02
